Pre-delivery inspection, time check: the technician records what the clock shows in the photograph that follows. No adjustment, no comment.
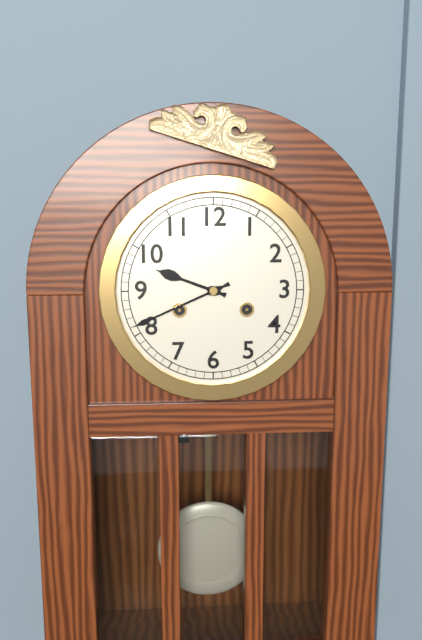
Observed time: 9:41
